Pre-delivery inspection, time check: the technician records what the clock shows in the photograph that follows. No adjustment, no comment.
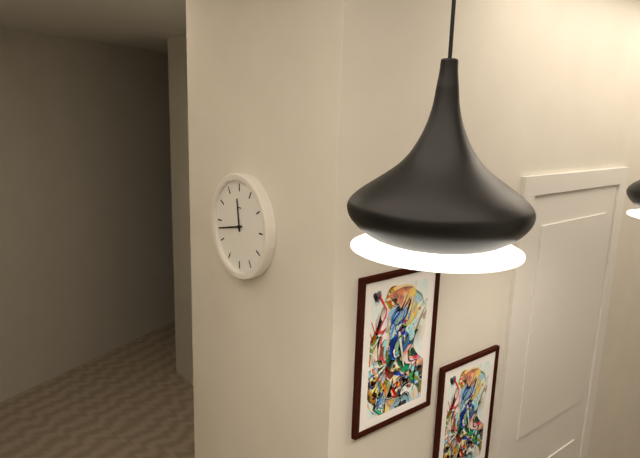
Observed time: 11:43
